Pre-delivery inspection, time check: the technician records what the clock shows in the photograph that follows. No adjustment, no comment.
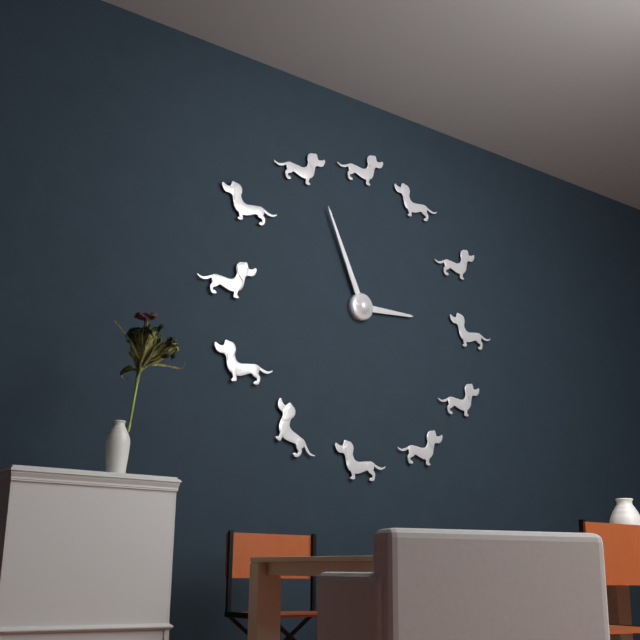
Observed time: 2:56
